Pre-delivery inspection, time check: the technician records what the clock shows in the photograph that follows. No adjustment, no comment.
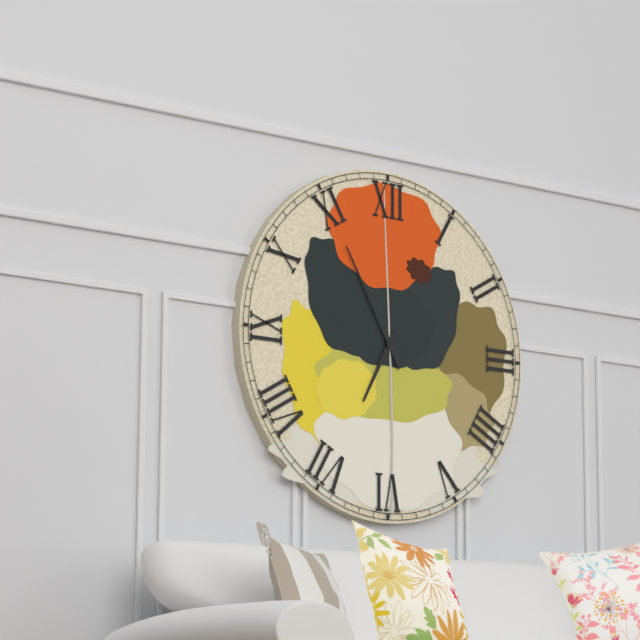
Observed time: 6:55
